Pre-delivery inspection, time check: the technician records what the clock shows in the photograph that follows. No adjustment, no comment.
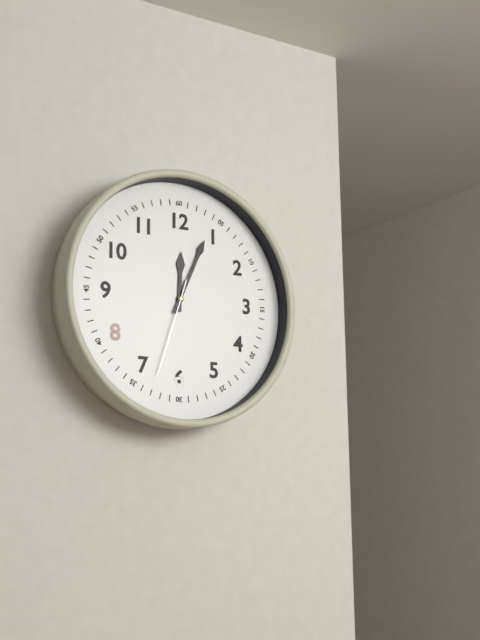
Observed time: 12:04:33
